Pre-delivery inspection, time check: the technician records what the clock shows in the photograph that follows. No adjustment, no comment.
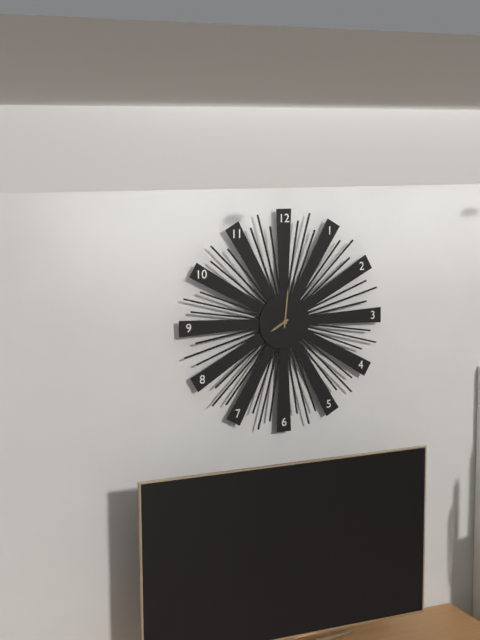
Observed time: 8:01
